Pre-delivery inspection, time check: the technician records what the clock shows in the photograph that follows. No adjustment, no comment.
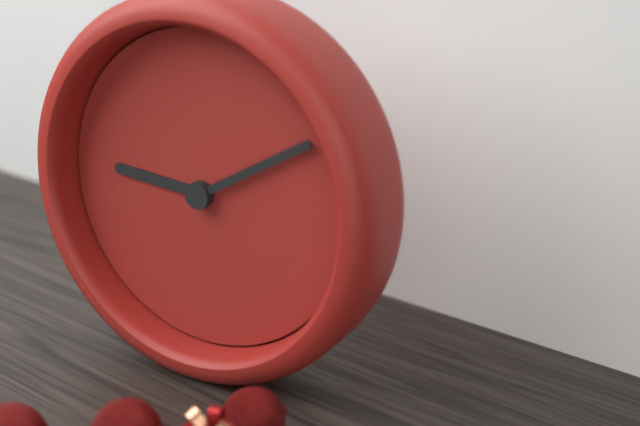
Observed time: 9:10
